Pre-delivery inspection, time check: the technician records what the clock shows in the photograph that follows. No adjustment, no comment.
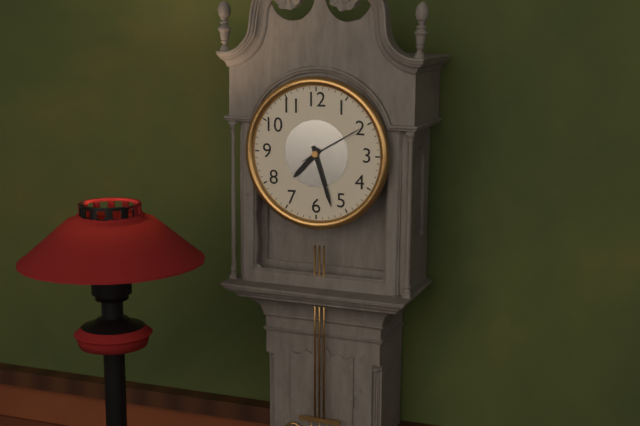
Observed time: 7:27:10
